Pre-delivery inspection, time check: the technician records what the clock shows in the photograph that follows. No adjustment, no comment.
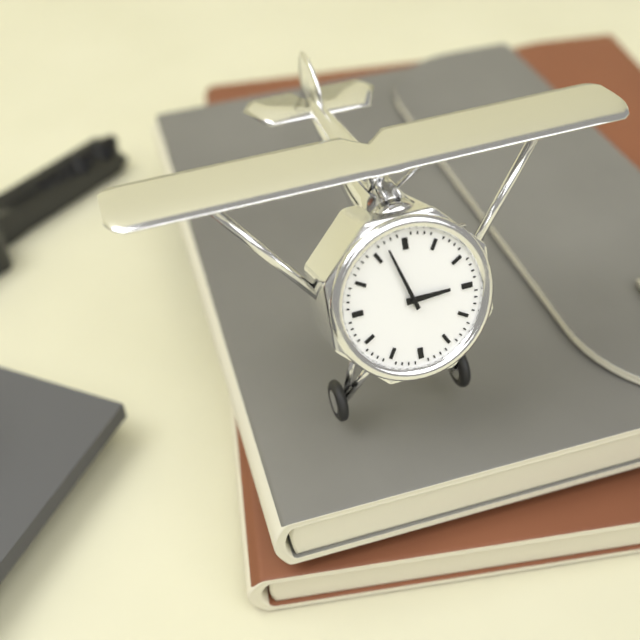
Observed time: 2:57
